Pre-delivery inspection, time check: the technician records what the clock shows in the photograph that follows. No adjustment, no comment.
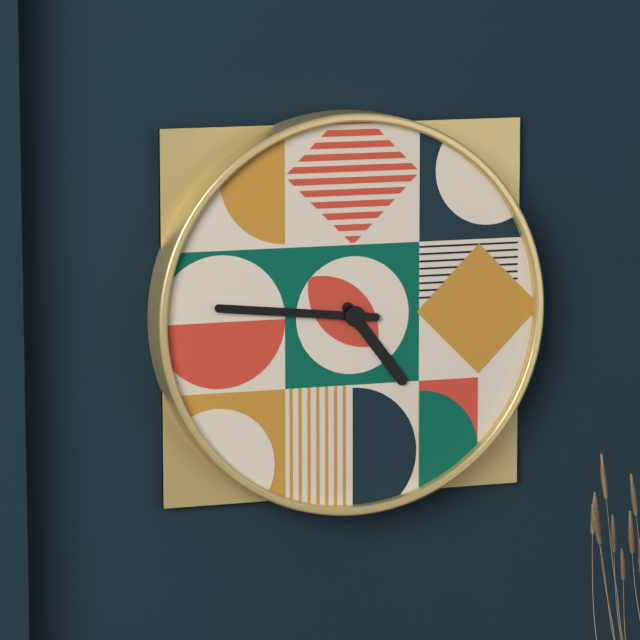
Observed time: 4:46
